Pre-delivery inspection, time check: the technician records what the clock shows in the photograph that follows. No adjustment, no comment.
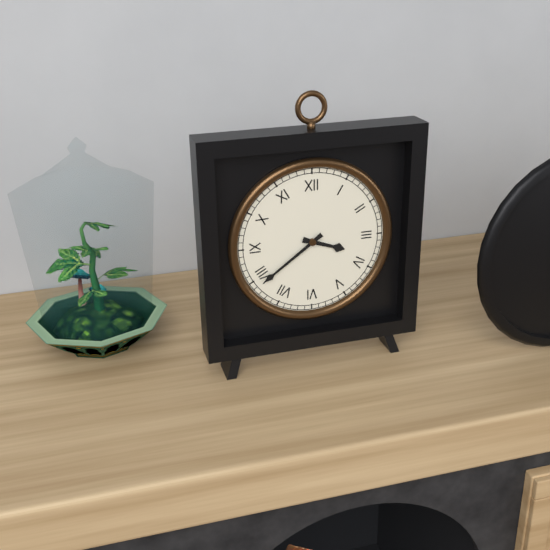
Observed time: 3:39
